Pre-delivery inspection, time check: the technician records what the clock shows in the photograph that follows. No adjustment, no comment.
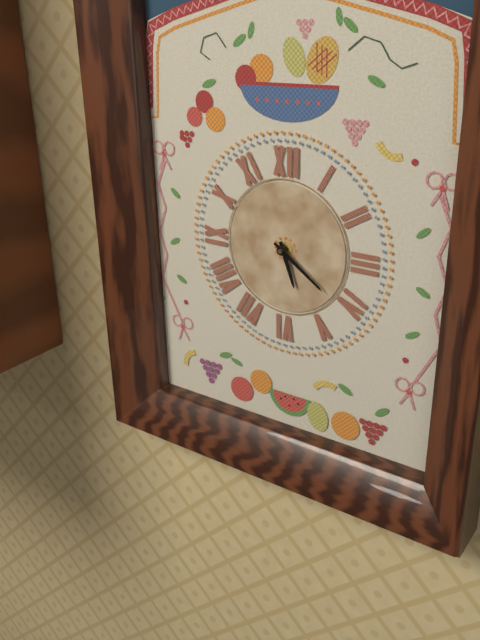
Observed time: 5:21
